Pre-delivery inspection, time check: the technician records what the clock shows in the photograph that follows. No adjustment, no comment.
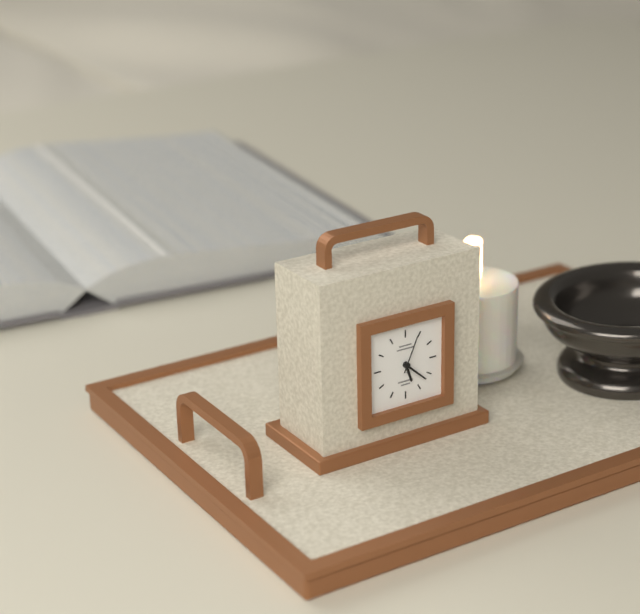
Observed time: 5:22
